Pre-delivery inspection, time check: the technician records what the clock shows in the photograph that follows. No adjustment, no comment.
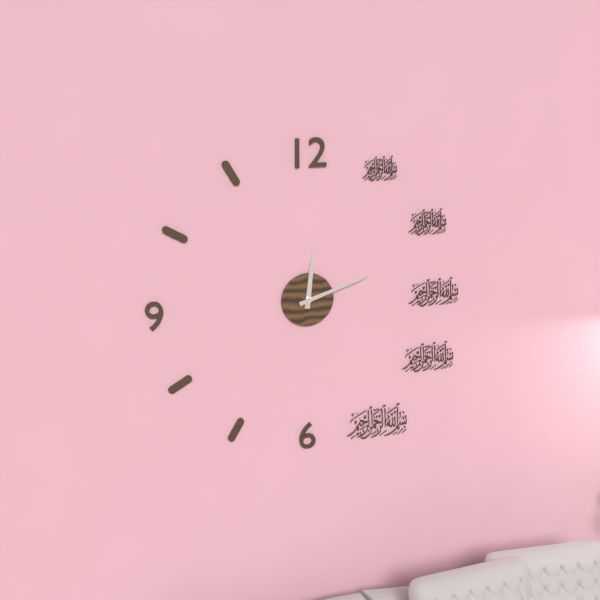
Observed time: 12:12
